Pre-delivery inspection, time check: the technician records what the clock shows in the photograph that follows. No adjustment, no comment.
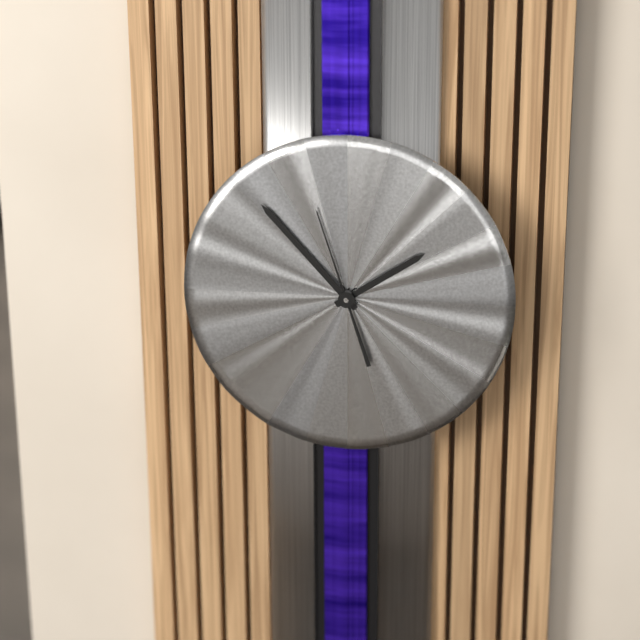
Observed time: 1:53:57
